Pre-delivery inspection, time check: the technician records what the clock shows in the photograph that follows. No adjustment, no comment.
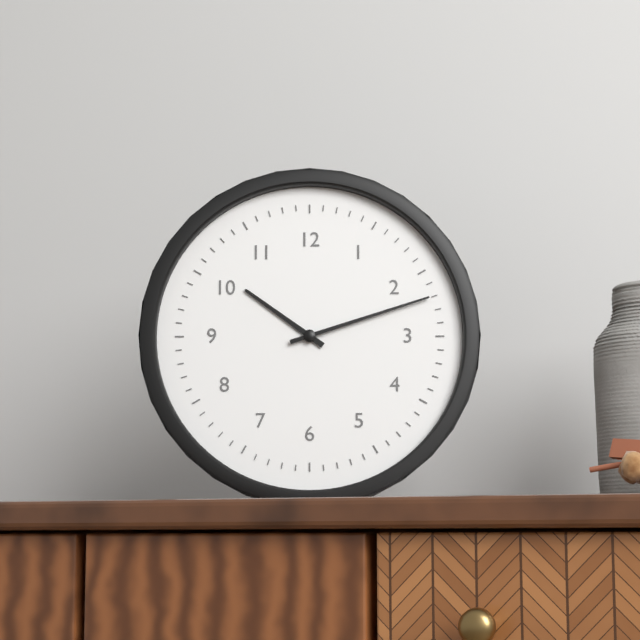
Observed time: 10:12
